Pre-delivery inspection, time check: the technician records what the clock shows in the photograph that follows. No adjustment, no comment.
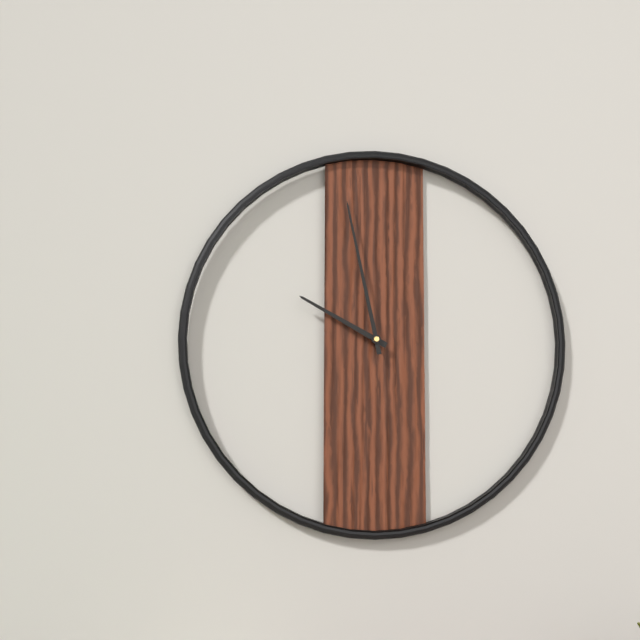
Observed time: 9:58
